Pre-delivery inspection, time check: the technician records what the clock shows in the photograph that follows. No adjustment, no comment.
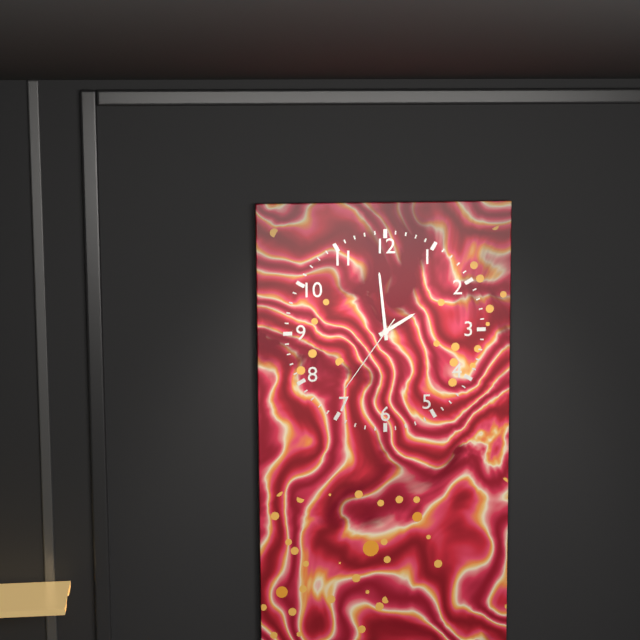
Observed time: 1:59:36
